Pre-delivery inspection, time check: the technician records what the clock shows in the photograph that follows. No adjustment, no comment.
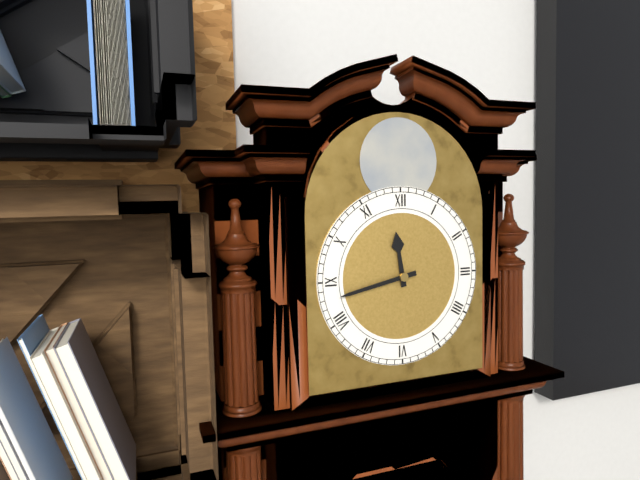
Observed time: 11:43
